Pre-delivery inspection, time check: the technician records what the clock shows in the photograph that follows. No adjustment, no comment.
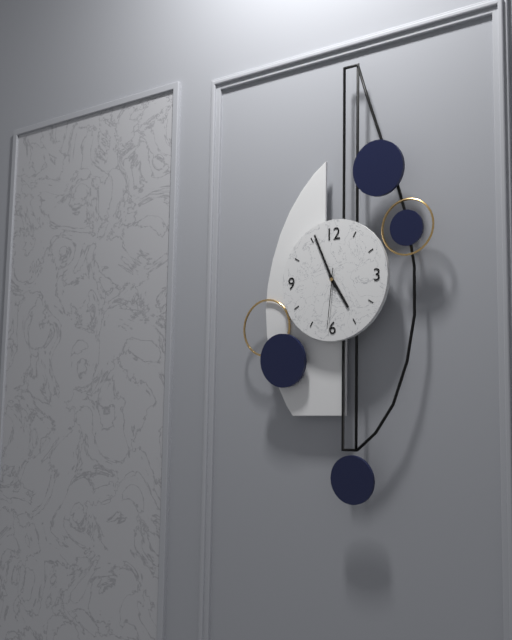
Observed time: 4:56:31
